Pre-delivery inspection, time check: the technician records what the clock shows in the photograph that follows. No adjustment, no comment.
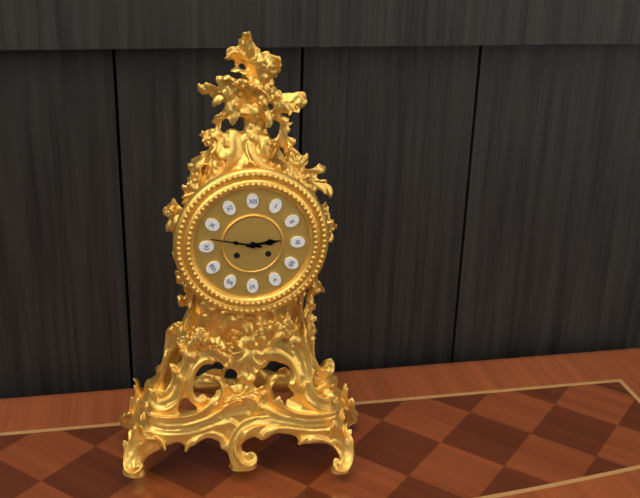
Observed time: 2:47
